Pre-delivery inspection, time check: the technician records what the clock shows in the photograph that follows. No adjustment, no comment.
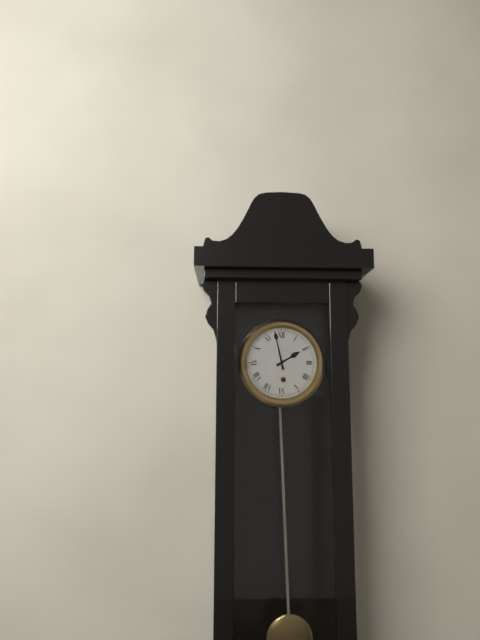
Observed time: 1:58
